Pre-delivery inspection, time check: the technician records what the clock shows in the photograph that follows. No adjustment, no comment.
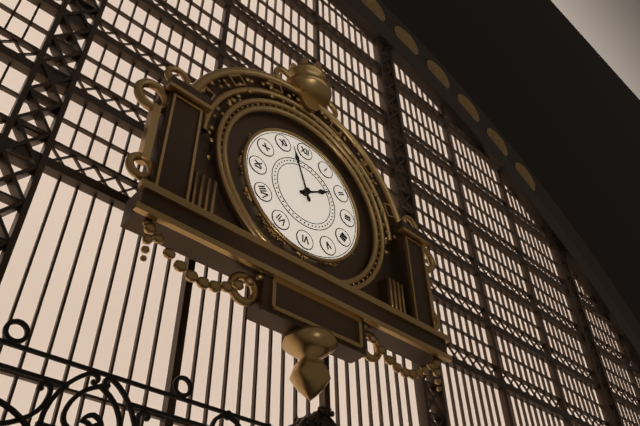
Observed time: 1:57
